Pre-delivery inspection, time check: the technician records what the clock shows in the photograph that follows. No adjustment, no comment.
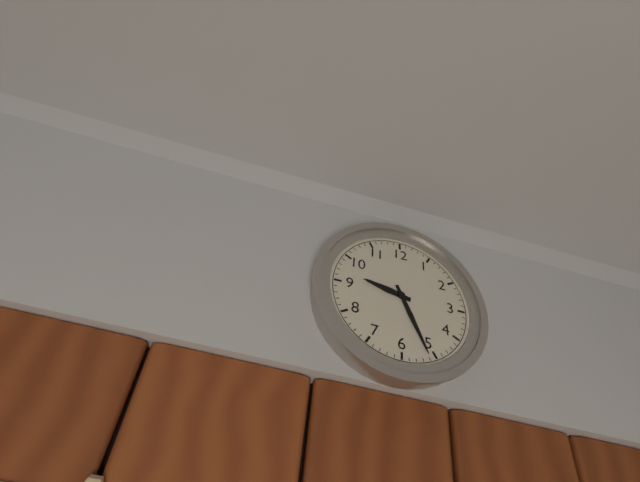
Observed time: 9:26
